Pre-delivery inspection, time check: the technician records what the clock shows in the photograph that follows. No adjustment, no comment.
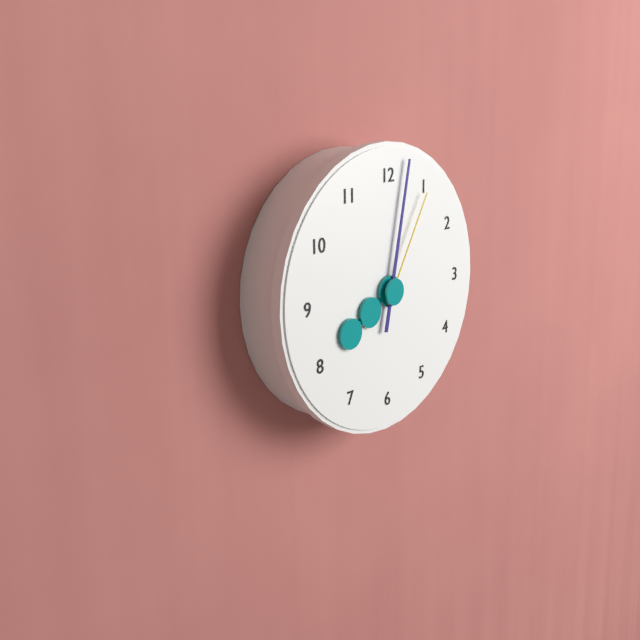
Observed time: 8:02:05
